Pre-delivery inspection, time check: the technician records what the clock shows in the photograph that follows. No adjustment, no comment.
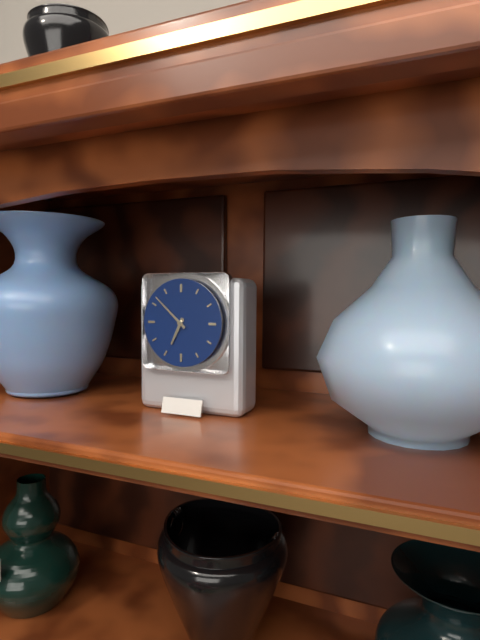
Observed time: 6:52
